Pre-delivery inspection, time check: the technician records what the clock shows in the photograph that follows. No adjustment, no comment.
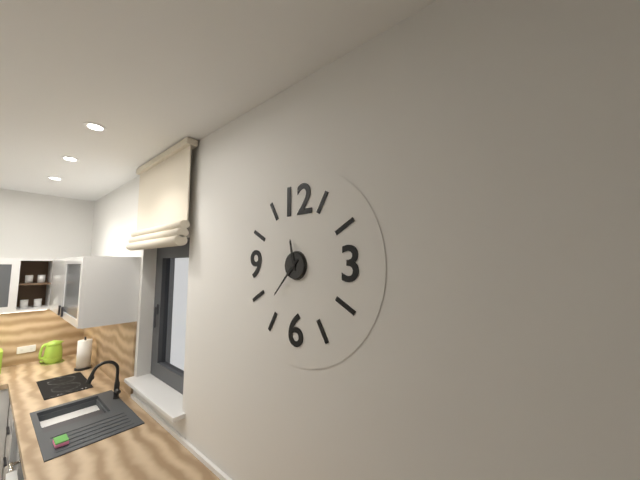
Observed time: 11:37
